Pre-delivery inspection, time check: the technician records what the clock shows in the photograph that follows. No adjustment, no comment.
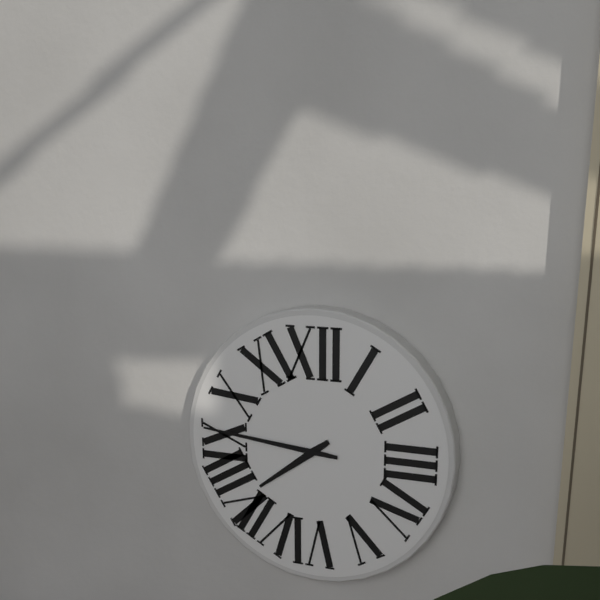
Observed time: 7:46
